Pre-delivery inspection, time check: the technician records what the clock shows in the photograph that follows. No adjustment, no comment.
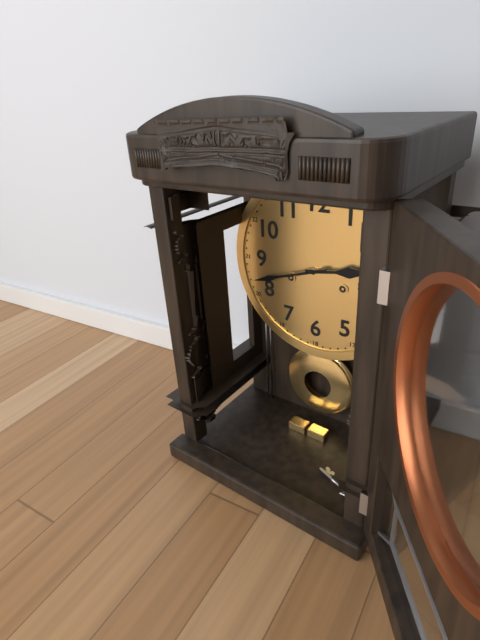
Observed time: 2:42
